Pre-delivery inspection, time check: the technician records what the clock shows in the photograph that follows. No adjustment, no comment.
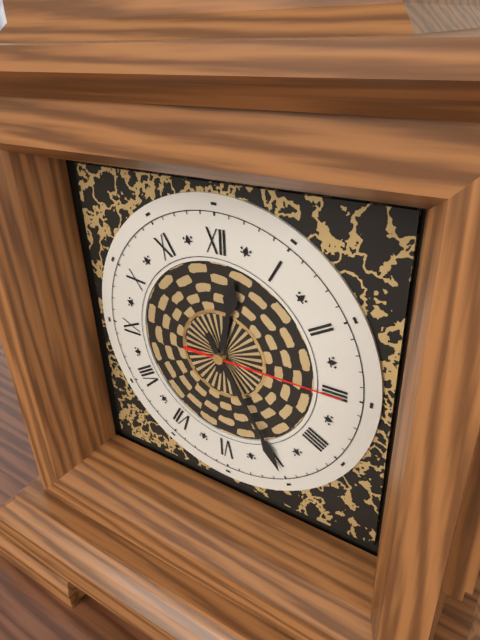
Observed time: 12:25:15
